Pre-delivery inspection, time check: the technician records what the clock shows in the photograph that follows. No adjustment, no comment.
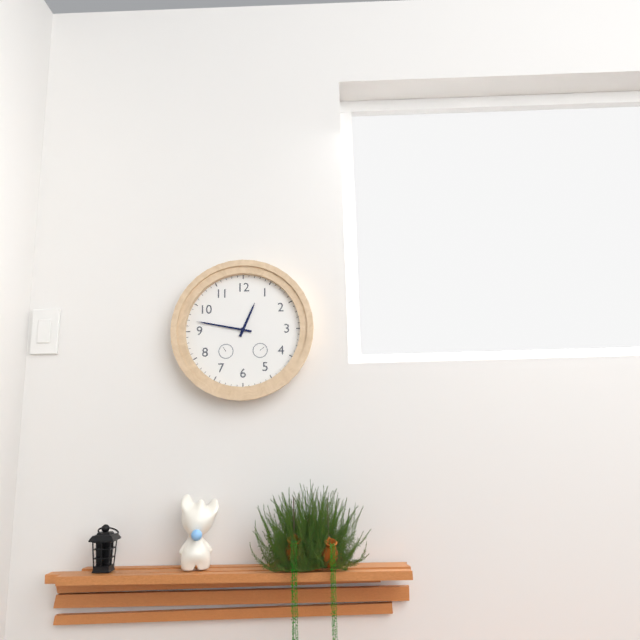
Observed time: 12:47
